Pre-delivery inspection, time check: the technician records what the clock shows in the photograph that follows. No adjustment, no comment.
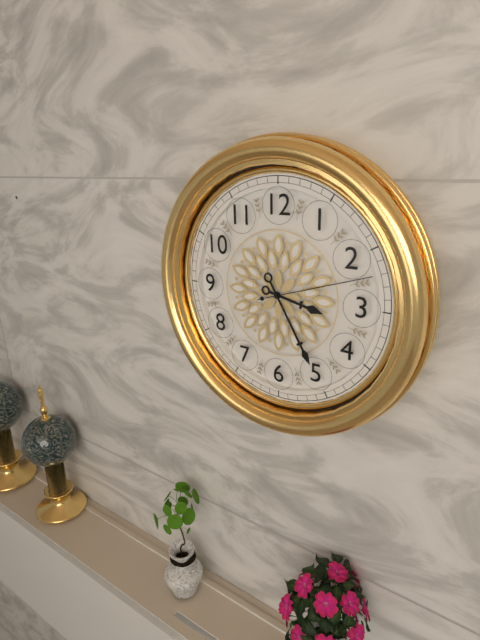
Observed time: 3:25:12
